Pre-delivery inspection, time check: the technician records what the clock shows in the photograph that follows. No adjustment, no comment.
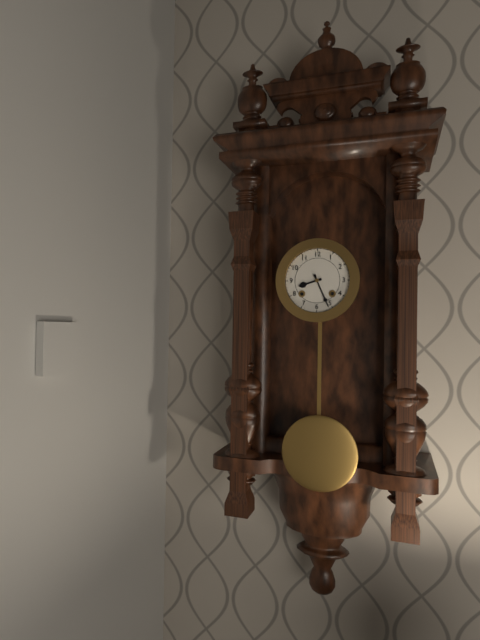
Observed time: 8:26
